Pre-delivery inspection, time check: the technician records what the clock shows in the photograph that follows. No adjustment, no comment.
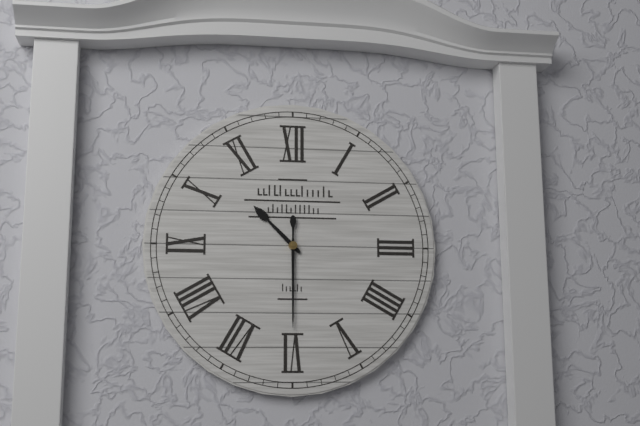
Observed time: 10:30
